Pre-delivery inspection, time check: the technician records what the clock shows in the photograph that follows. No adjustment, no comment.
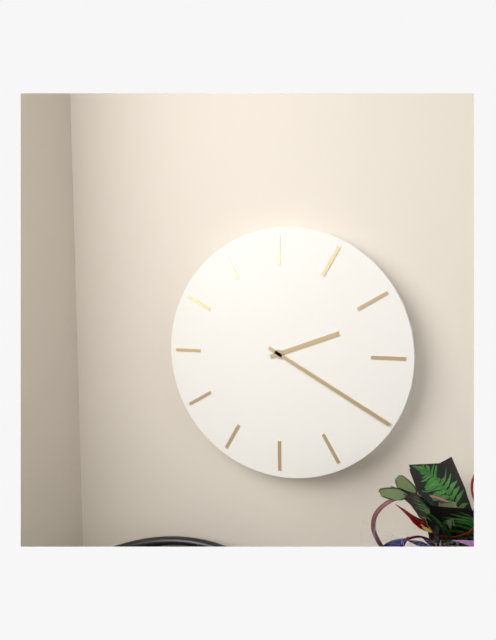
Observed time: 2:20
